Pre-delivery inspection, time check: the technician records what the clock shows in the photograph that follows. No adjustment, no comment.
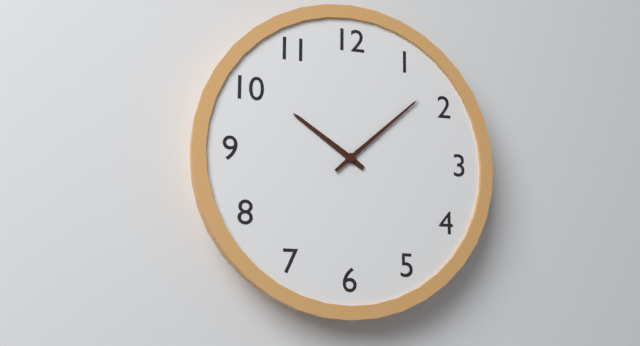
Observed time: 10:08
